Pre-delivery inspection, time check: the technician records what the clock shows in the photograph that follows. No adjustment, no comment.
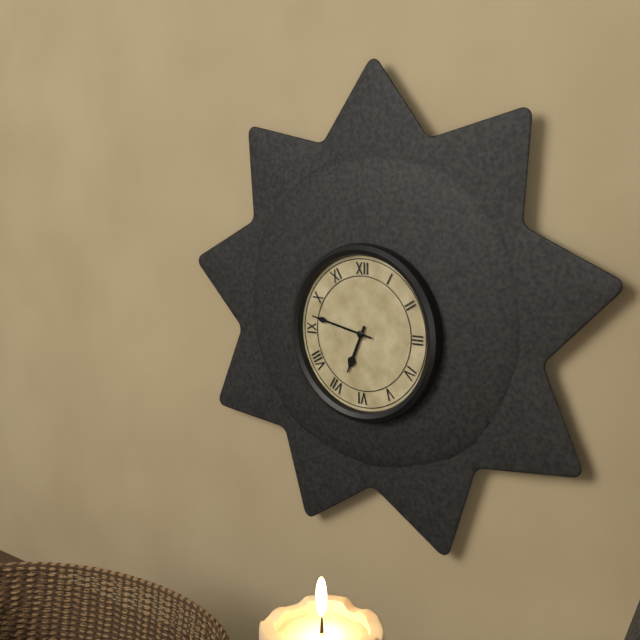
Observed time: 6:47
